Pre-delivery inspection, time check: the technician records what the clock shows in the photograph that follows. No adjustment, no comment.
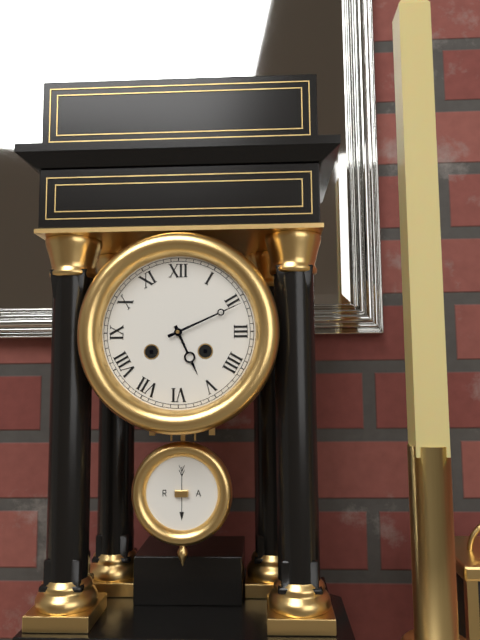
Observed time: 5:11
